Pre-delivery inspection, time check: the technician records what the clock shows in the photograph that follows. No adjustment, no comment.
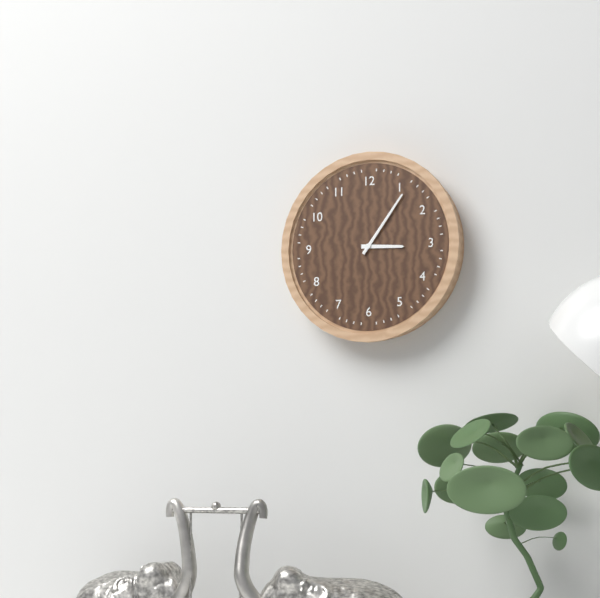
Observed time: 3:06
